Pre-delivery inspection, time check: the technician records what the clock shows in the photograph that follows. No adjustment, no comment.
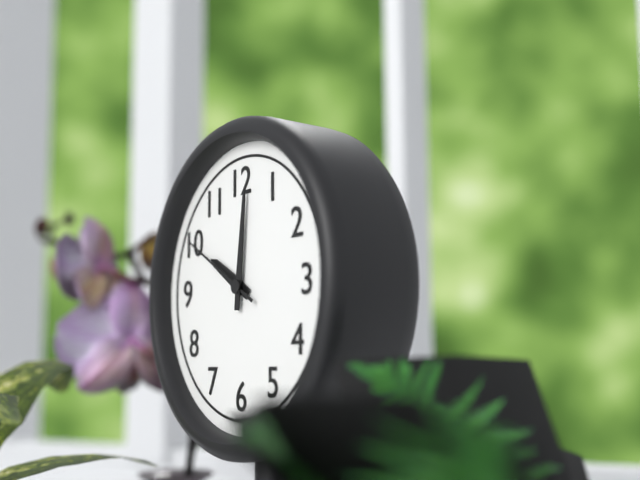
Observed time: 10:01:50
